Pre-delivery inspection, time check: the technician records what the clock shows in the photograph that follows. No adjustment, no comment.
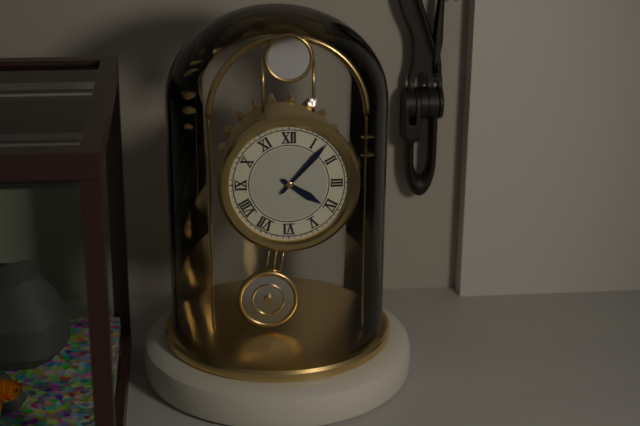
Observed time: 4:07
